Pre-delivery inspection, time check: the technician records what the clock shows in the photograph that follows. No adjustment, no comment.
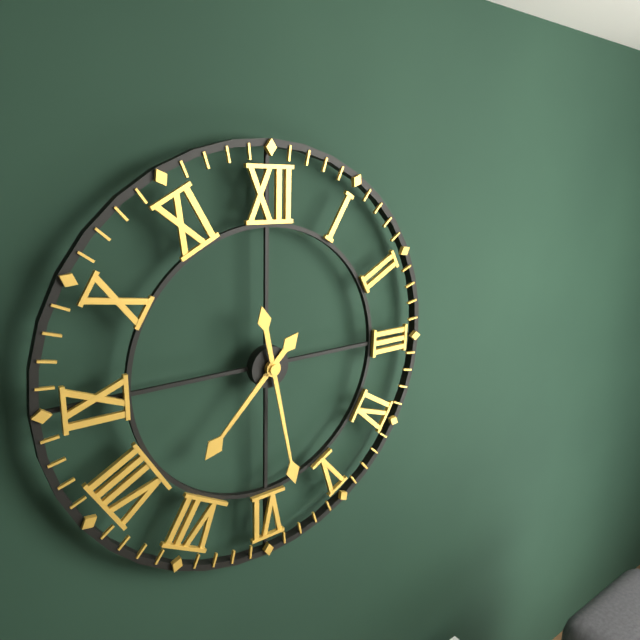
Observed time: 7:28
